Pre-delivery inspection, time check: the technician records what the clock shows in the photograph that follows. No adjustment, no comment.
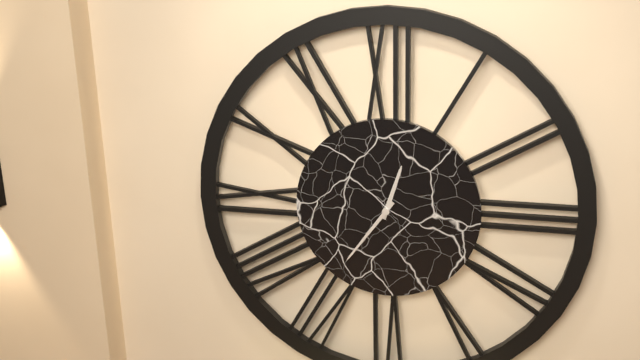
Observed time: 12:36
